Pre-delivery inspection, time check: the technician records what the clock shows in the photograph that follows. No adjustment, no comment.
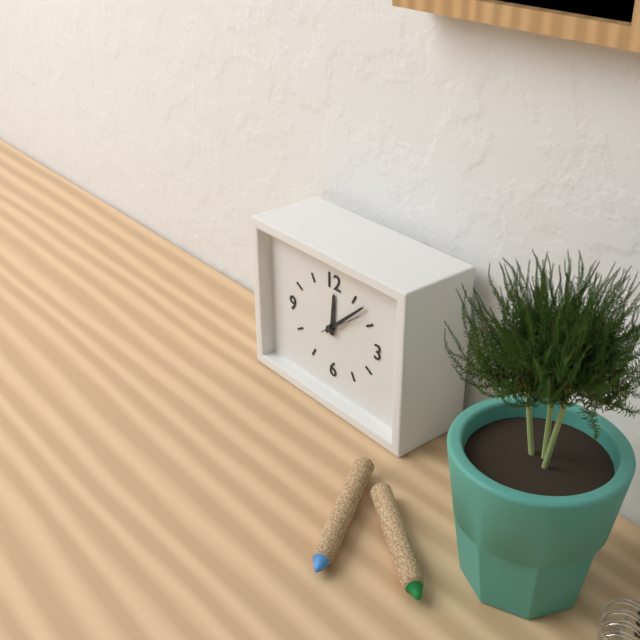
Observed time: 12:08
